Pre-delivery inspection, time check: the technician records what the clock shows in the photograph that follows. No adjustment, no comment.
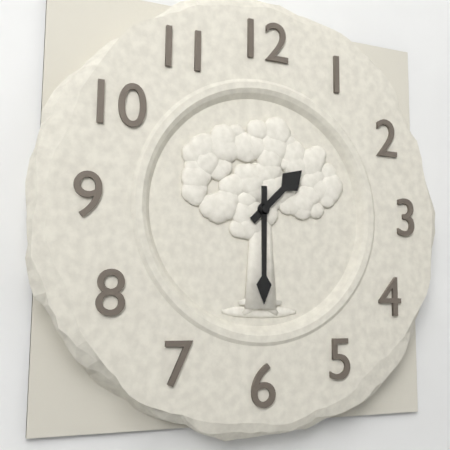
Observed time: 1:30
